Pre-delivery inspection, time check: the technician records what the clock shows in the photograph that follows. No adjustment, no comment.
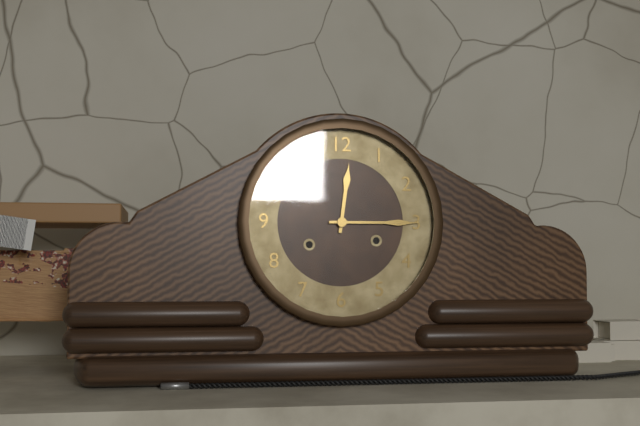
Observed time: 12:15
